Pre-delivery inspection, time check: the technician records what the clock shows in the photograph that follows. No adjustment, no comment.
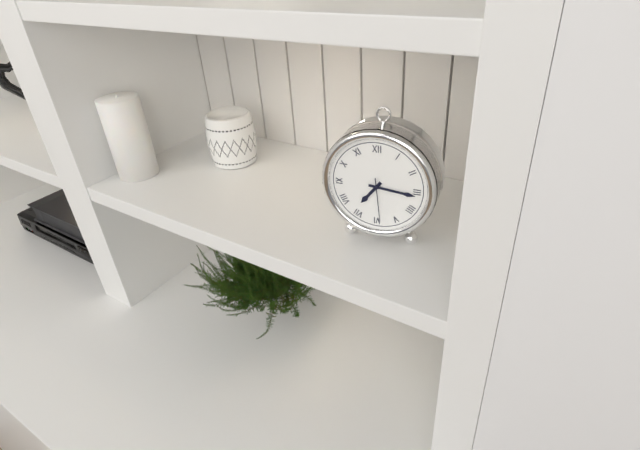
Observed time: 7:16:29
